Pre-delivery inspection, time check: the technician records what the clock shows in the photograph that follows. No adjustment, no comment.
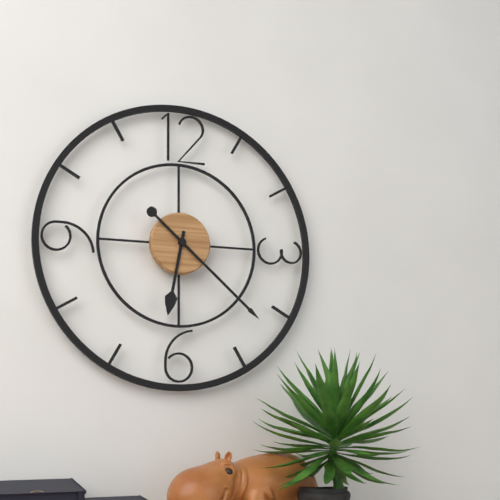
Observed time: 6:22
